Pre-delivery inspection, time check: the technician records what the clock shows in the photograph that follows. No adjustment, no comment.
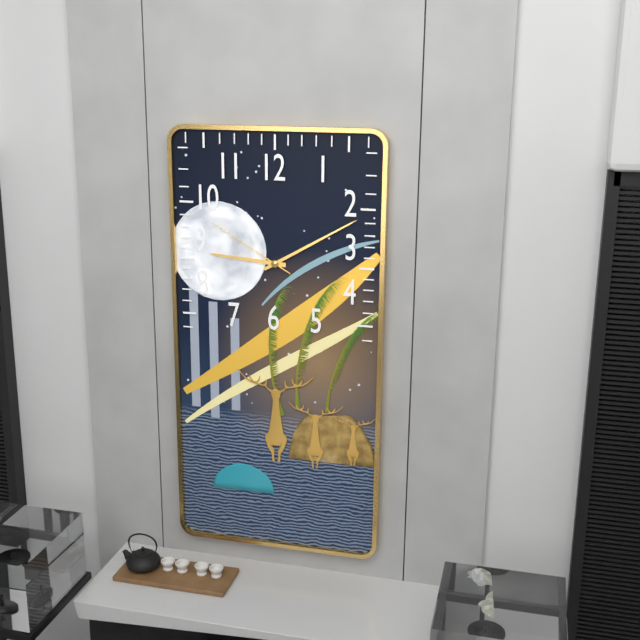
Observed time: 9:10:50
